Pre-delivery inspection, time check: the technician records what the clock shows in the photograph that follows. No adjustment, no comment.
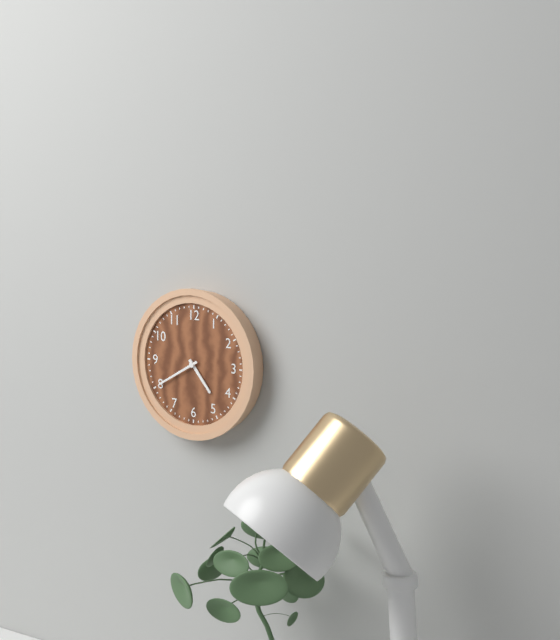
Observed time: 4:40
